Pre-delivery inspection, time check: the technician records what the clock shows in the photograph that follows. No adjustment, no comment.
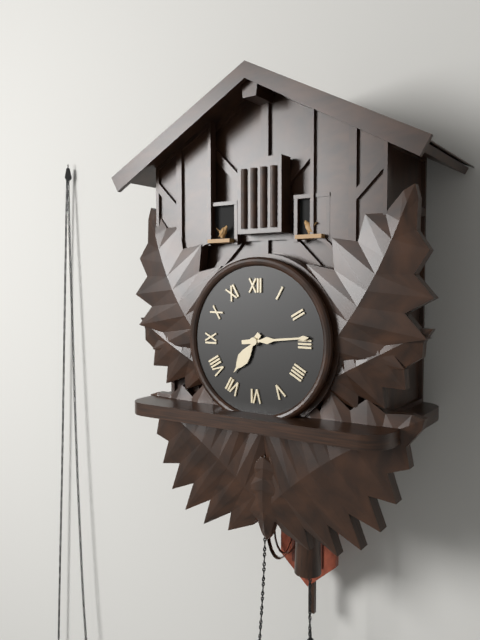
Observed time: 7:14
